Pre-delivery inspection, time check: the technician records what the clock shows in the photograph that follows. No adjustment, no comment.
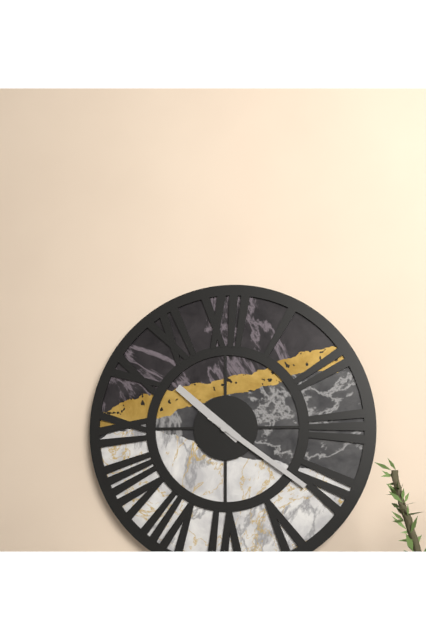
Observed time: 10:21
